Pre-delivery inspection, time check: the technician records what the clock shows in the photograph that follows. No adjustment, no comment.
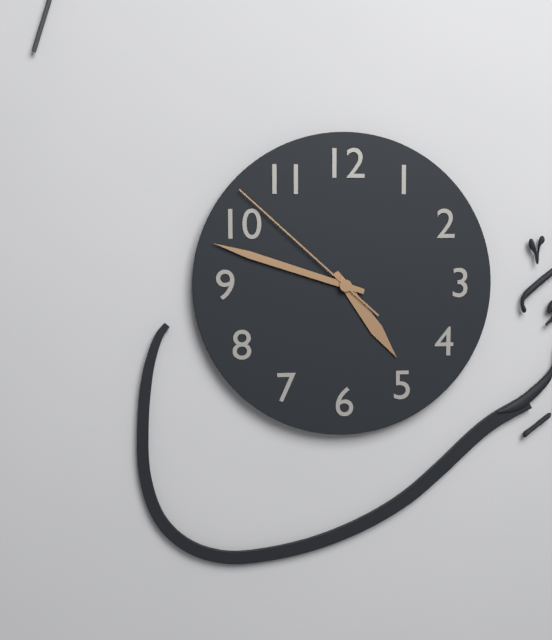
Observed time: 4:48:52
